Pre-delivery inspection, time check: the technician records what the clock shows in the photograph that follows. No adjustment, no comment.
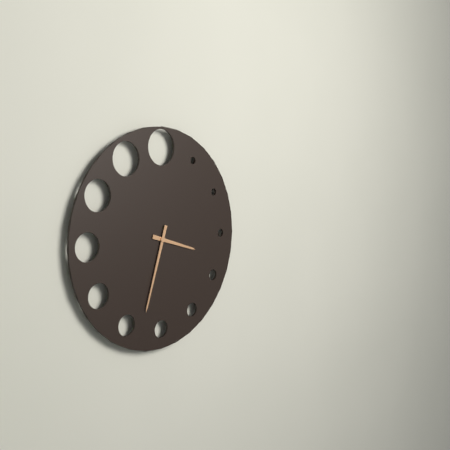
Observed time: 3:33
